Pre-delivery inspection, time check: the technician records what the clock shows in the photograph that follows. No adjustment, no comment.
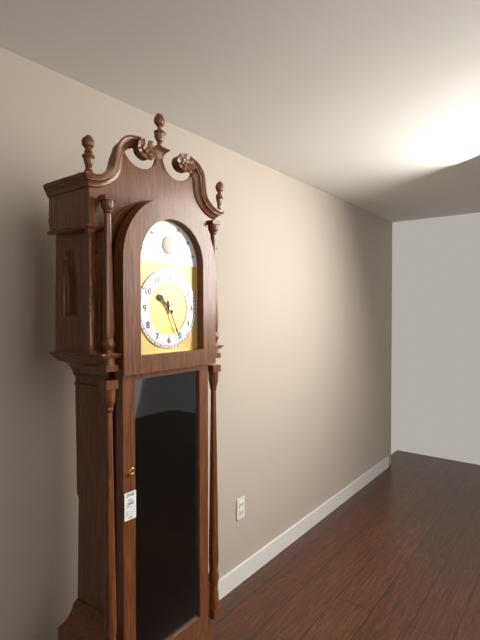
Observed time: 10:26
